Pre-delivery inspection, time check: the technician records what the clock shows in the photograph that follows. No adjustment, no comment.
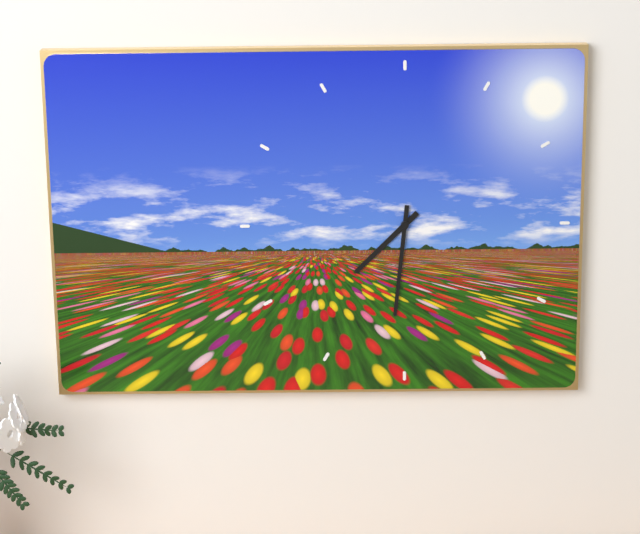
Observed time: 7:31
